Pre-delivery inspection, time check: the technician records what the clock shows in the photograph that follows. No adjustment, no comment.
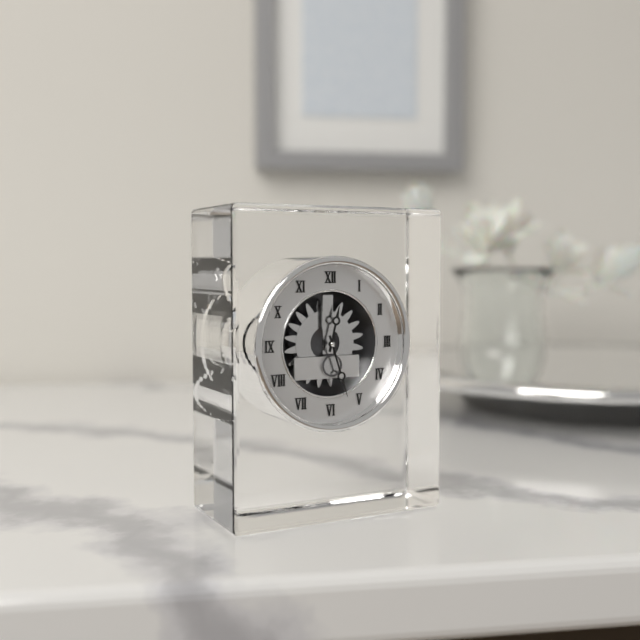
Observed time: 12:27
